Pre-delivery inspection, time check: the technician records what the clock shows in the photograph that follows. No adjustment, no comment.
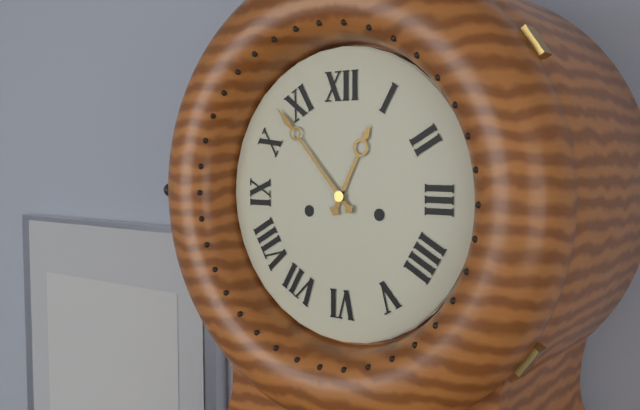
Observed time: 12:53
